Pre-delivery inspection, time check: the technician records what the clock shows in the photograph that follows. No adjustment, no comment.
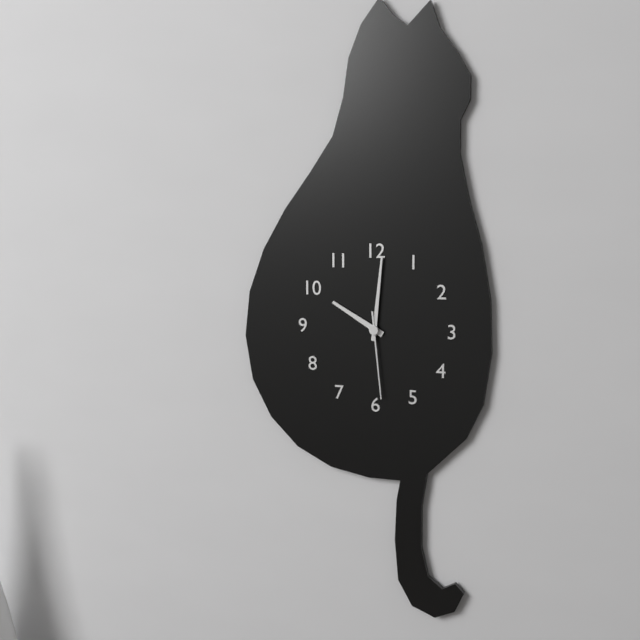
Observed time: 10:01:29
